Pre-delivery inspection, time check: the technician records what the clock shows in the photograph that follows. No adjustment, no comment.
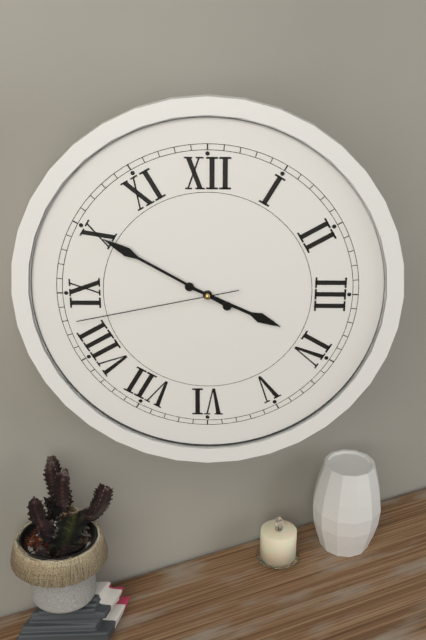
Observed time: 3:50:43
